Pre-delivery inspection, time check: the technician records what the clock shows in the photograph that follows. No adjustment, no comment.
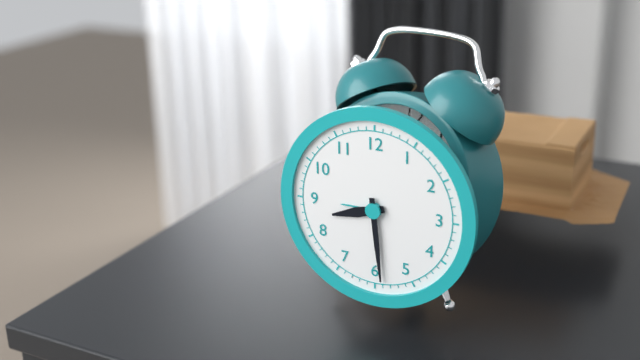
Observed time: 8:29
